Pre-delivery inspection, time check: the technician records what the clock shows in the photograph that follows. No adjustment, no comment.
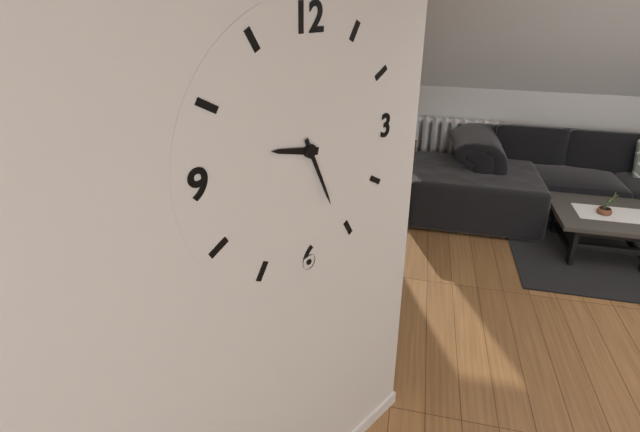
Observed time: 9:26
